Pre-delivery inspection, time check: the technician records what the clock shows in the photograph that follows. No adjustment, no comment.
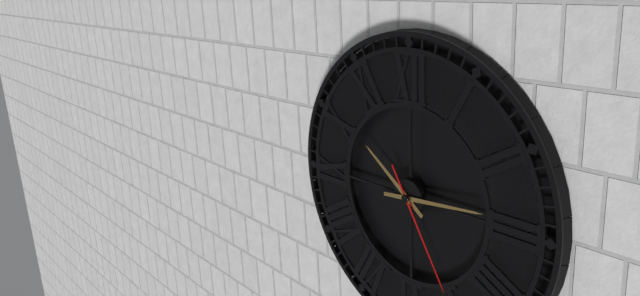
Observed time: 10:14:25
